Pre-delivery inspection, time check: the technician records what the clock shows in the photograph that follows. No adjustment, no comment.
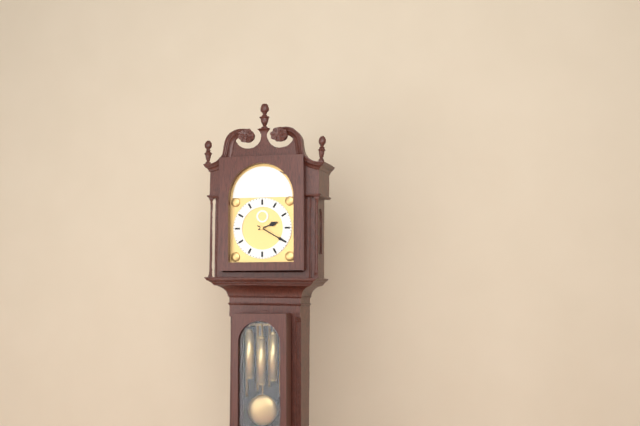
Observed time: 2:20
